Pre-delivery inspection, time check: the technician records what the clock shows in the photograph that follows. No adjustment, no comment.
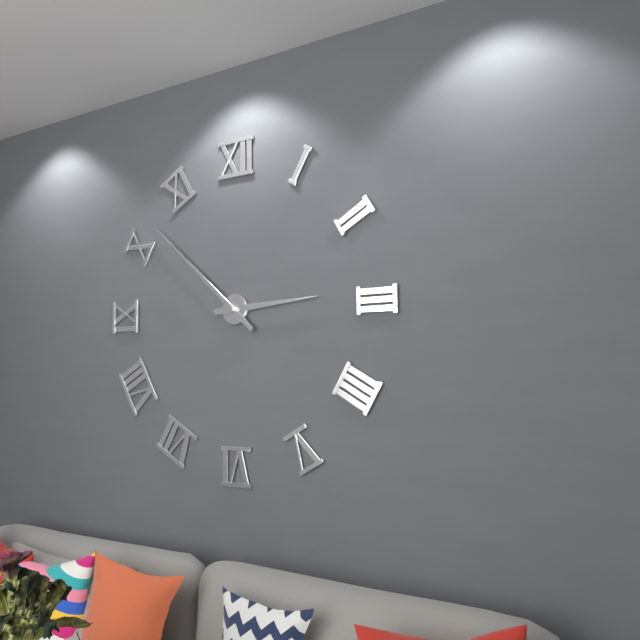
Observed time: 2:52
